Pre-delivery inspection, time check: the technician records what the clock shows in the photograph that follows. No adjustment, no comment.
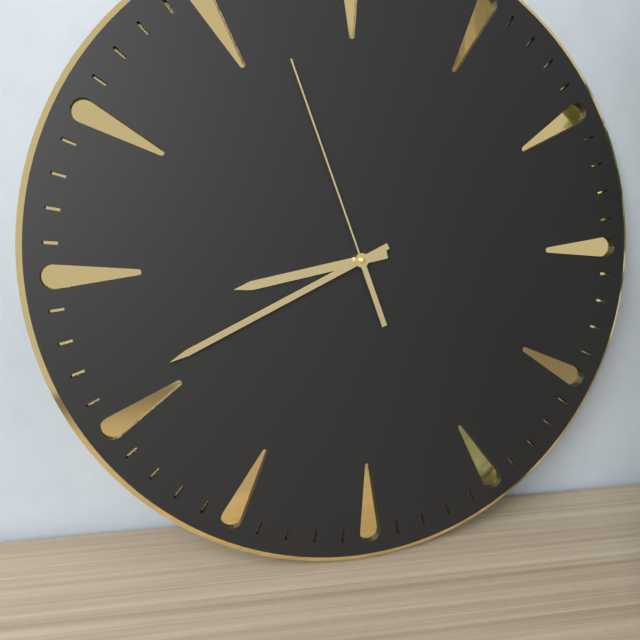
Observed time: 8:41:57
